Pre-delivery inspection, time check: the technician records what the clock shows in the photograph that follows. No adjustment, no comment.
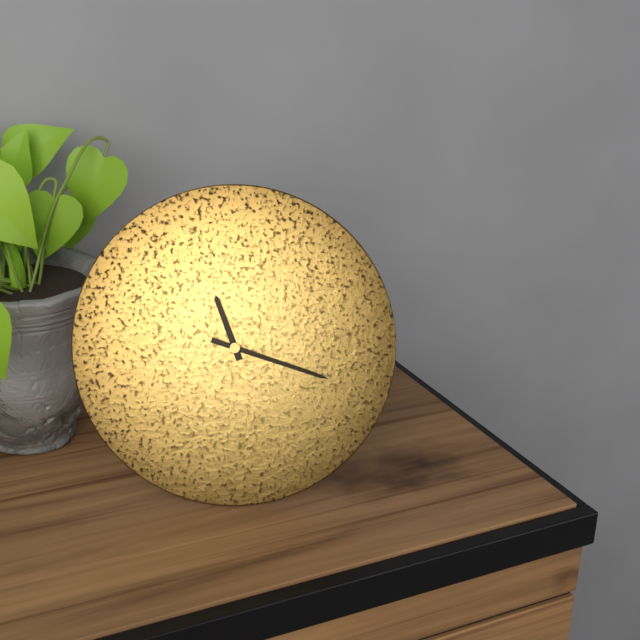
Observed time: 11:18
